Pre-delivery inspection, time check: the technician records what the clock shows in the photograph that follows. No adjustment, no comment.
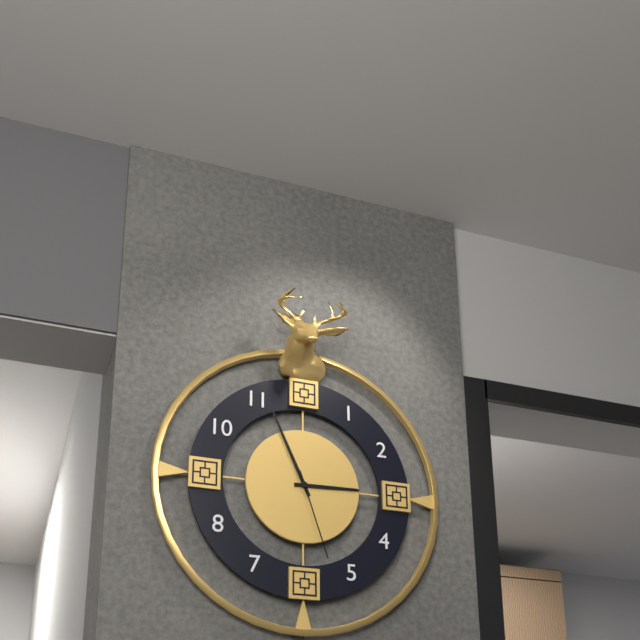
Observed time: 2:56:27
